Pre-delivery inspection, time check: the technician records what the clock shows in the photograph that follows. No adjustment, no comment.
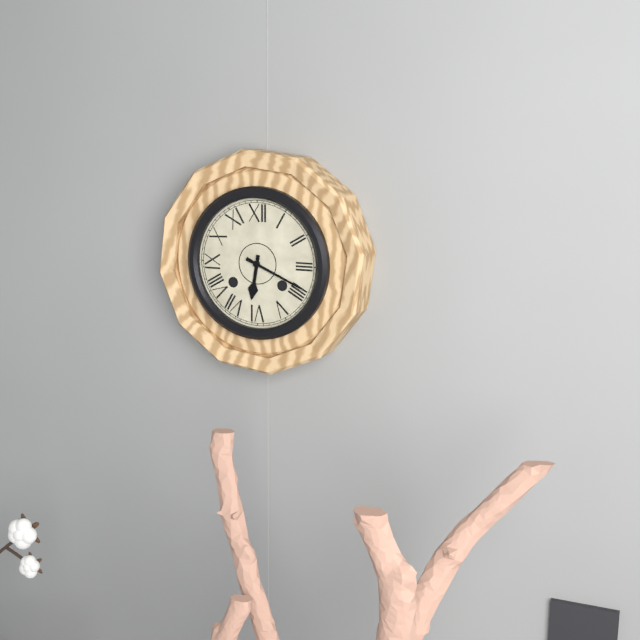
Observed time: 6:19
